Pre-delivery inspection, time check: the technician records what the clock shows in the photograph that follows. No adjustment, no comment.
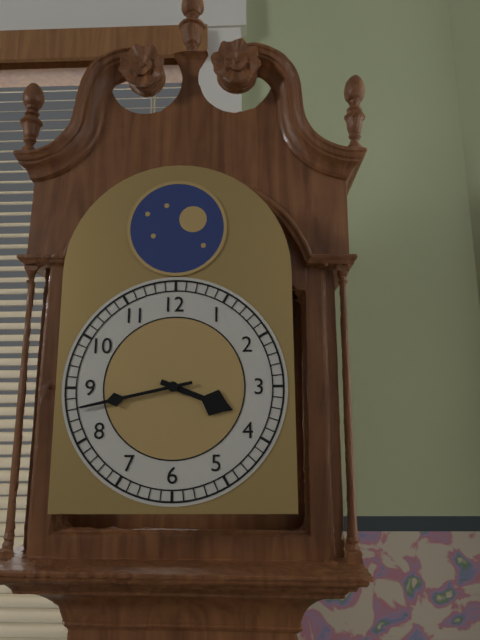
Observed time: 3:43
